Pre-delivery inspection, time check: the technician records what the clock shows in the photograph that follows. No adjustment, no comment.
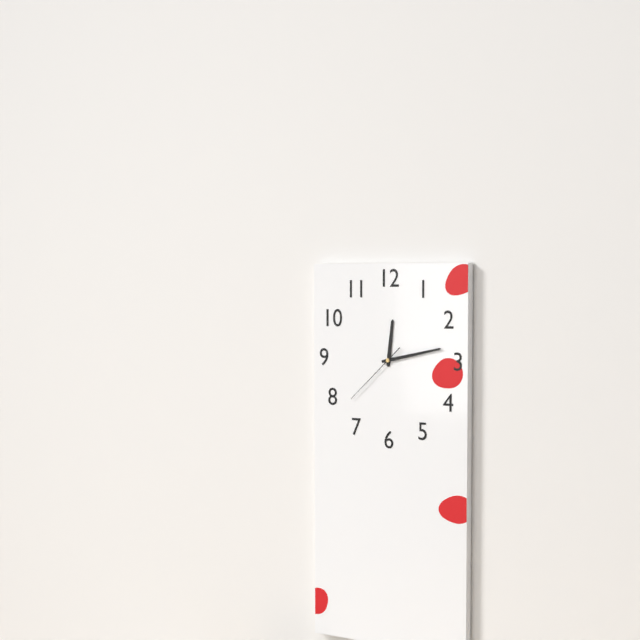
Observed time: 12:13:38
